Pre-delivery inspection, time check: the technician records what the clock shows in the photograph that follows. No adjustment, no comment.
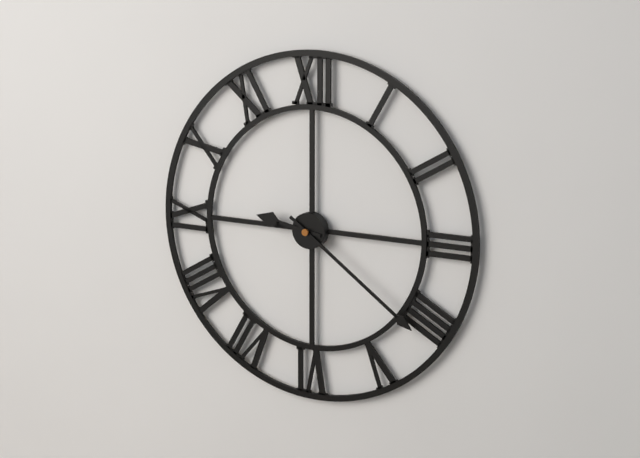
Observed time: 9:21
